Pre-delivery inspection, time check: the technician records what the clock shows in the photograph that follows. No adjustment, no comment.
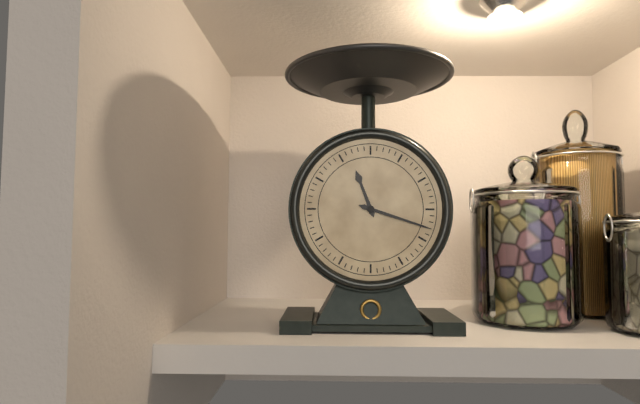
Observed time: 11:18
